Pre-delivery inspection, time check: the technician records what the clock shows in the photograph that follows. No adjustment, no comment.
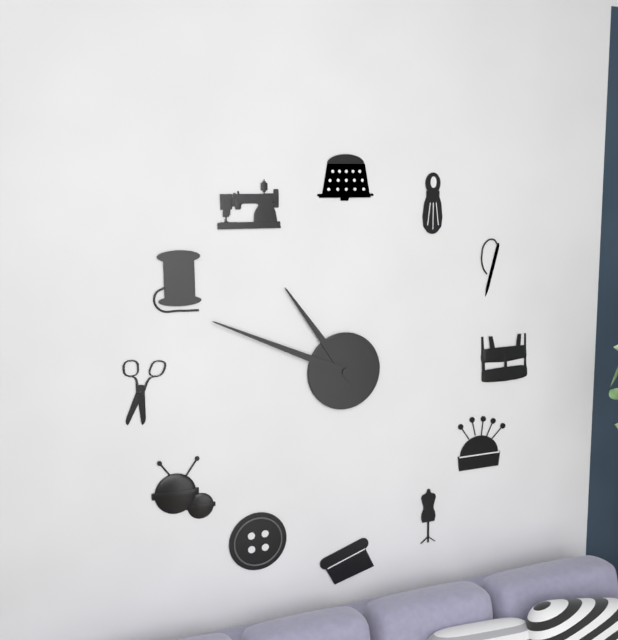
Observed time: 10:49
